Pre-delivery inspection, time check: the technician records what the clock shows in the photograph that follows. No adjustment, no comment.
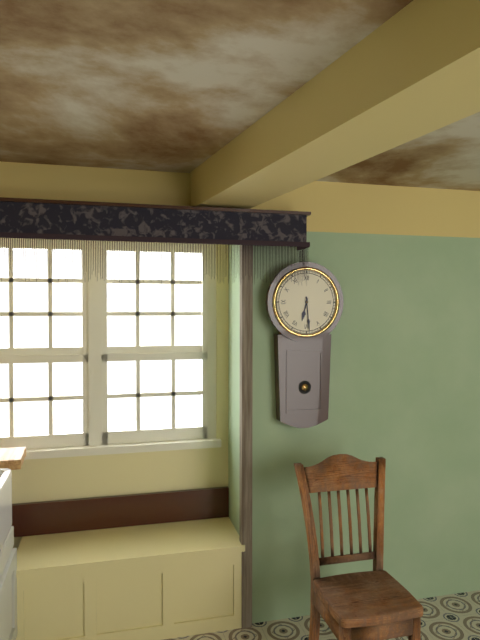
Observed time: 6:29
